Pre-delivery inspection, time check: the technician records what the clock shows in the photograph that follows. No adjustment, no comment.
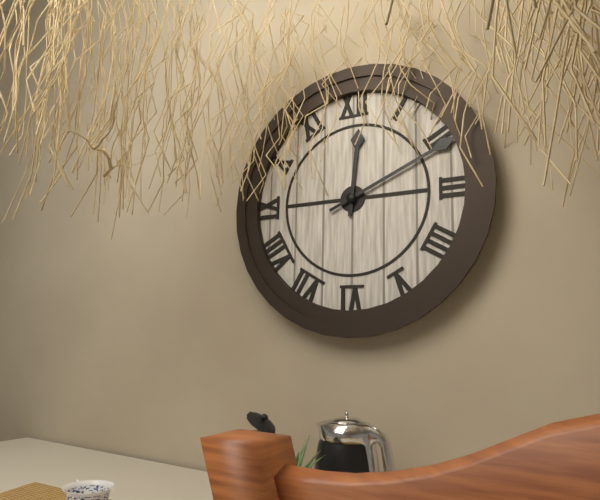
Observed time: 12:11
